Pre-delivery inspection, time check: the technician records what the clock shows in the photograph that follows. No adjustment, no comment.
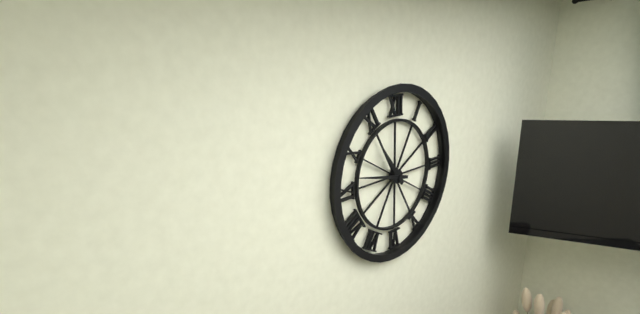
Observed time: 10:47
